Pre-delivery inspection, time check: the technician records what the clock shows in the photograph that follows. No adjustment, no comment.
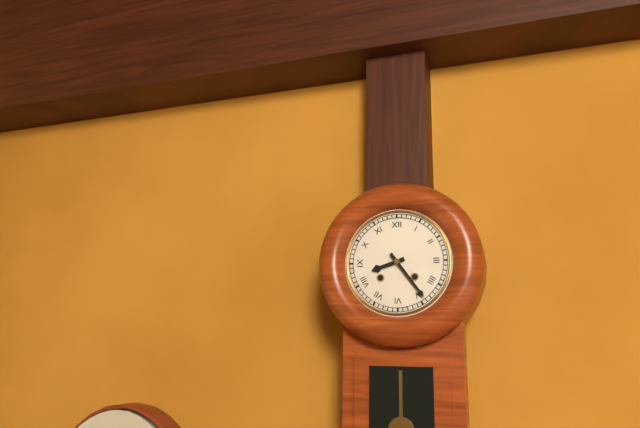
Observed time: 8:24
